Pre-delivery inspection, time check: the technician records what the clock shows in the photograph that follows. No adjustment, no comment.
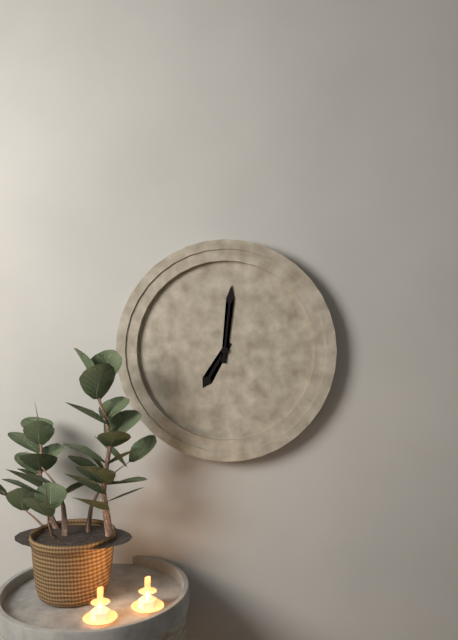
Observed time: 7:01
